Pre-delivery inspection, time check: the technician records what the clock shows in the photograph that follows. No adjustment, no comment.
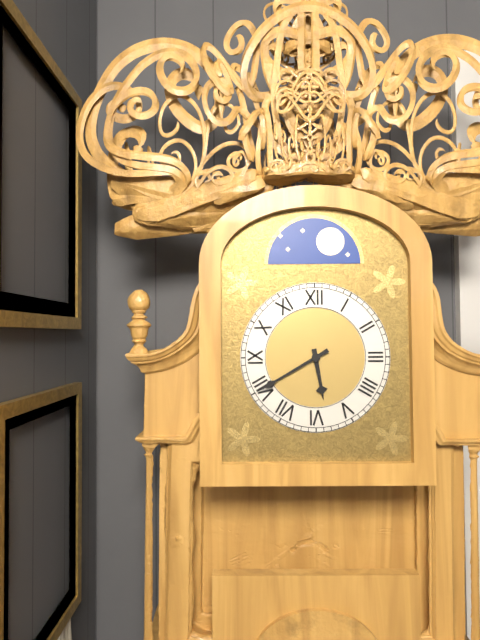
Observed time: 5:40
